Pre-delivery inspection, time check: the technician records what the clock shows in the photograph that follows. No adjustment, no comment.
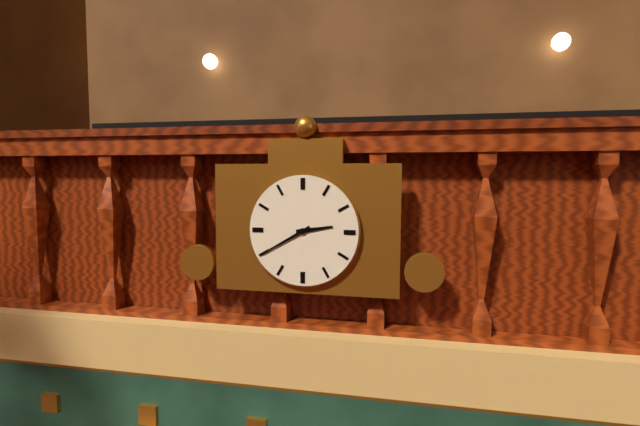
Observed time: 2:40
